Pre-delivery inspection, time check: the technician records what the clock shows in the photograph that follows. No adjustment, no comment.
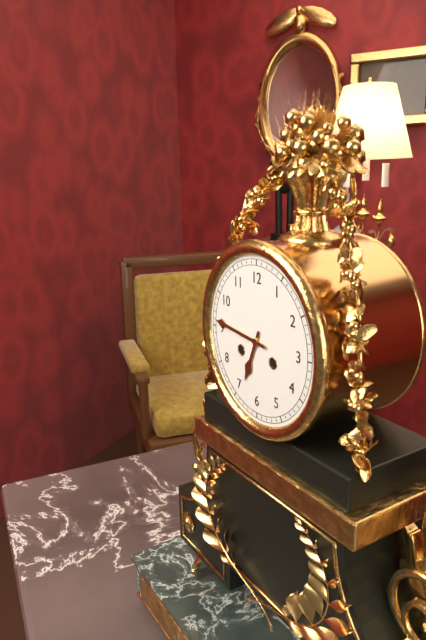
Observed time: 6:46
